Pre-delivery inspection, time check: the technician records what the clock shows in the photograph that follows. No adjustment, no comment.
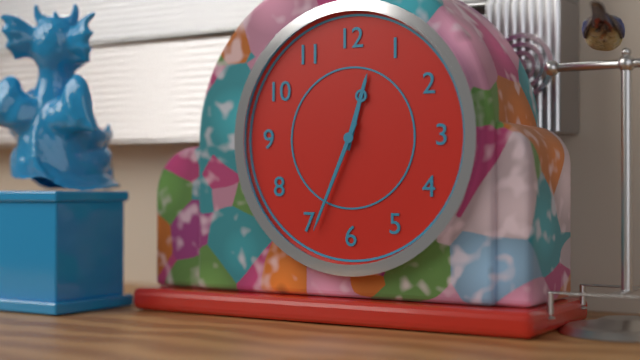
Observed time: 12:34
